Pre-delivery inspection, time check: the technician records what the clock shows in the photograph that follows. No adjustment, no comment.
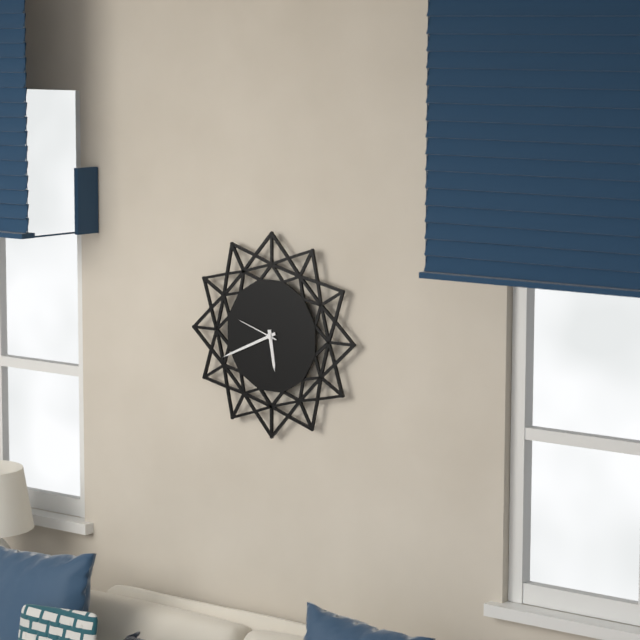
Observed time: 5:41
